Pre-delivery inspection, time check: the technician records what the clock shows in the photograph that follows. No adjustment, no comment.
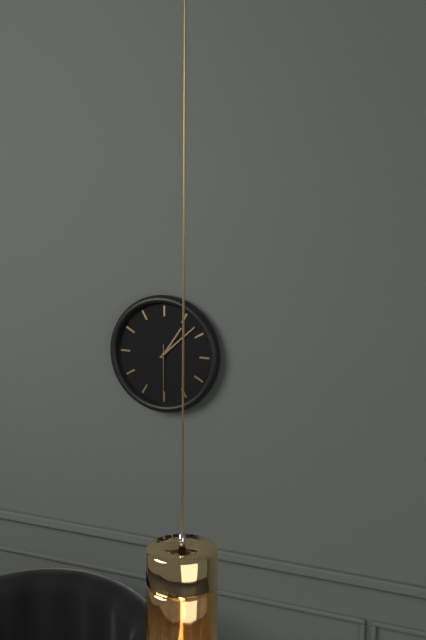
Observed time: 1:08:30
